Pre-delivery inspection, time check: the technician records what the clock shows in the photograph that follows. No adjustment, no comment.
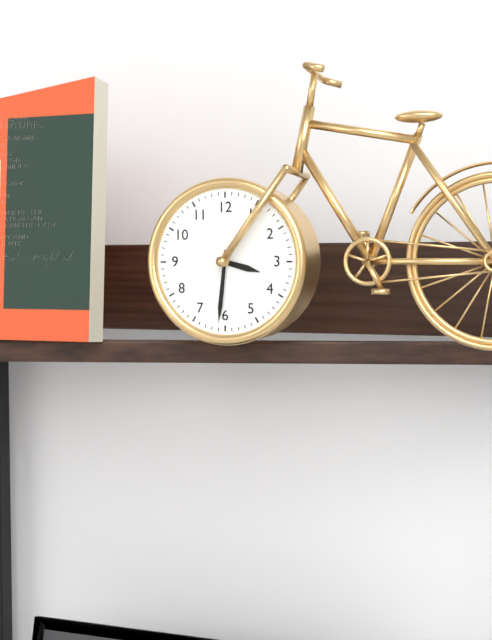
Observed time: 3:31
